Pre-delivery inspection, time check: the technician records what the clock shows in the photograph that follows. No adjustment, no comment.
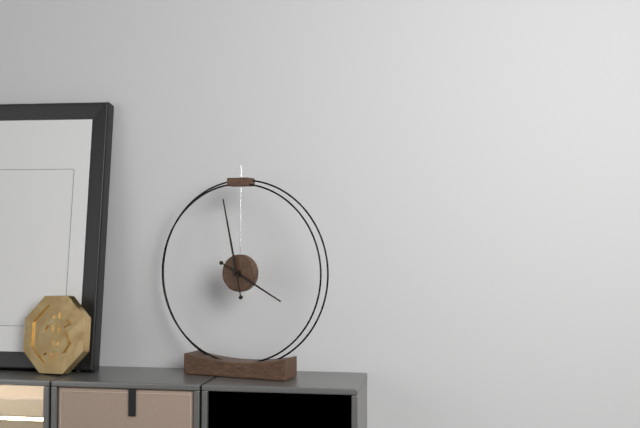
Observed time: 3:58
